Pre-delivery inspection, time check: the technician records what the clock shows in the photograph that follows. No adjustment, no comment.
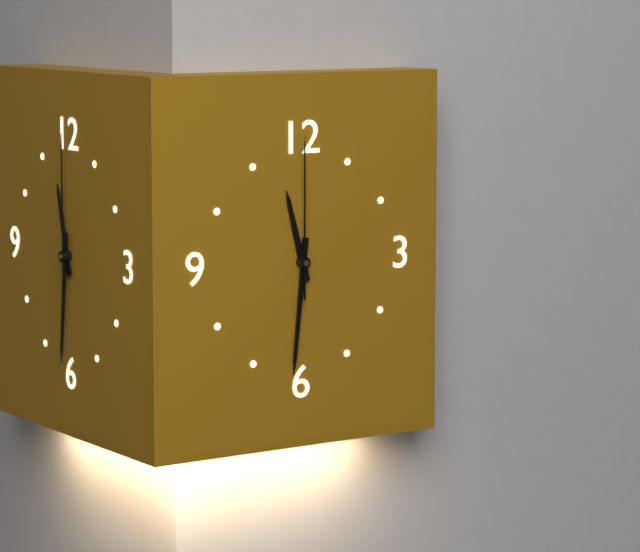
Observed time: 11:31:00
